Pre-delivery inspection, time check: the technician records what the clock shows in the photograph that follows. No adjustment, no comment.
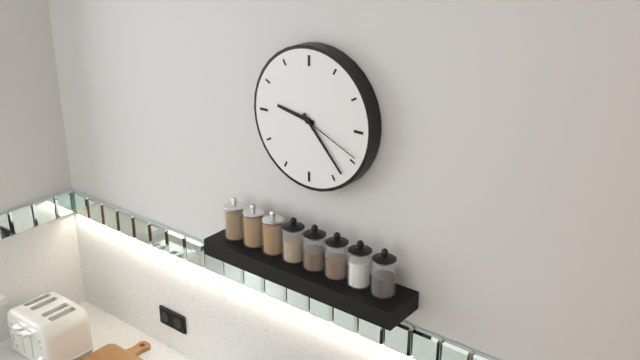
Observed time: 9:23:19
